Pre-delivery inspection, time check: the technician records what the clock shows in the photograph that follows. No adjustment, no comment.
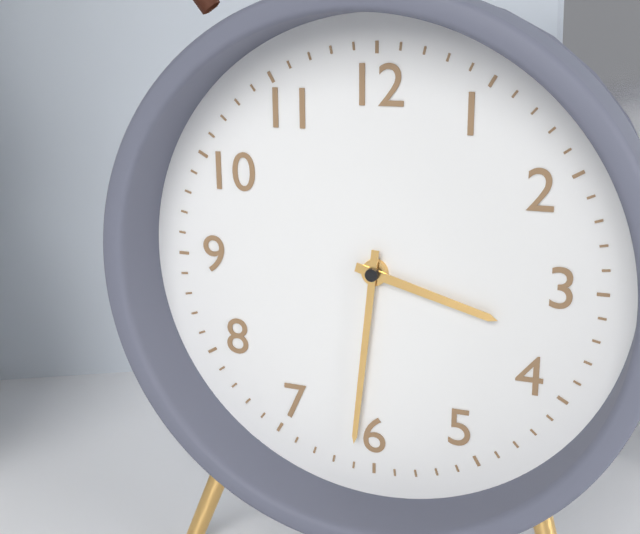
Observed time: 3:31
